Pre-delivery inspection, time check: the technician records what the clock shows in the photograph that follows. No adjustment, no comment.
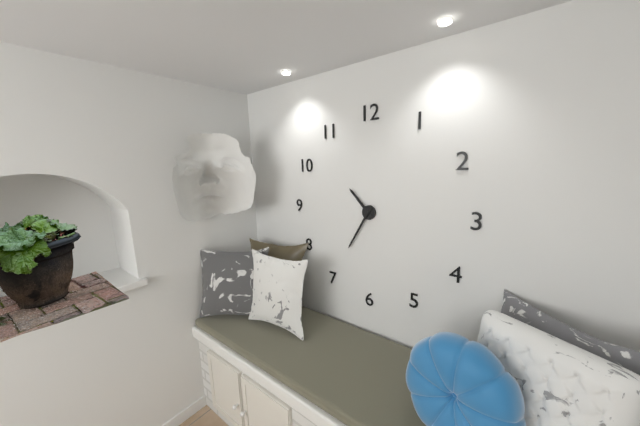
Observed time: 10:35
